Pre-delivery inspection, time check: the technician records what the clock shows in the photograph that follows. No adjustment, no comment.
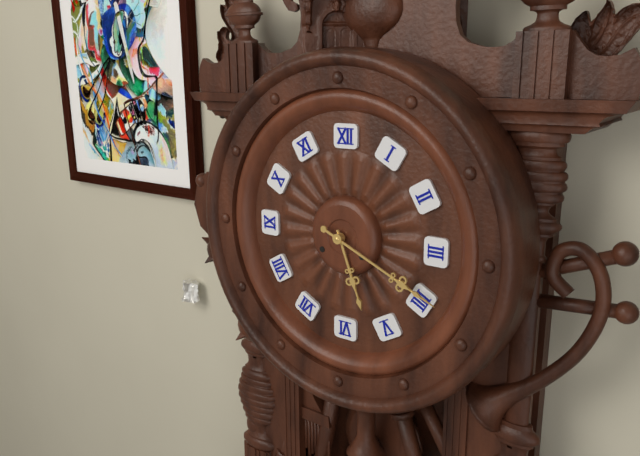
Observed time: 5:19
